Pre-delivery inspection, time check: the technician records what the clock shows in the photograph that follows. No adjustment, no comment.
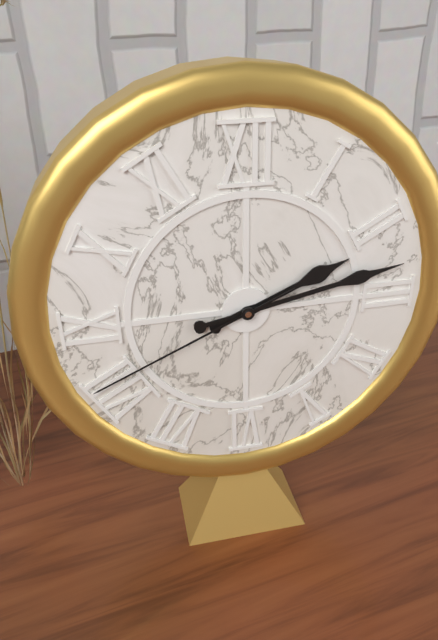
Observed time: 2:13:41
